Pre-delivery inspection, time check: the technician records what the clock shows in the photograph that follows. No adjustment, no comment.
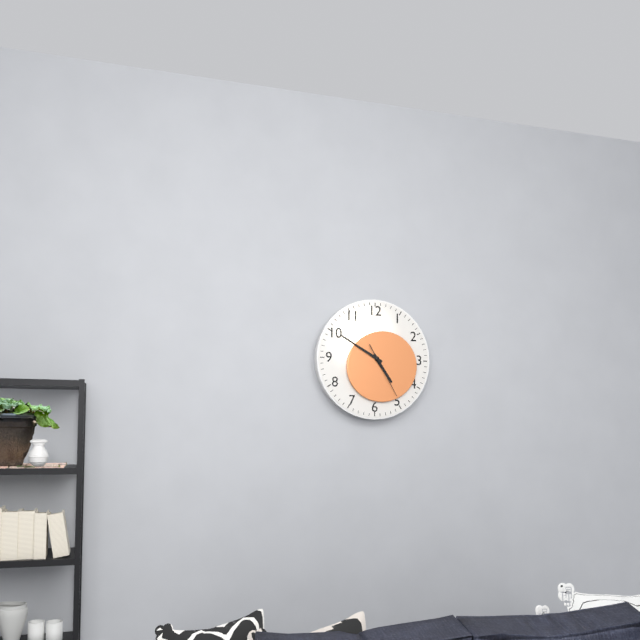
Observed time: 4:50:25
